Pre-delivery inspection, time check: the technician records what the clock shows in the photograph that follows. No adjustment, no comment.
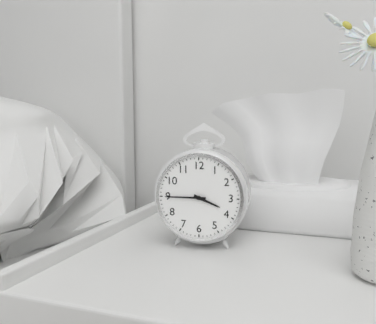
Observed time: 3:45
